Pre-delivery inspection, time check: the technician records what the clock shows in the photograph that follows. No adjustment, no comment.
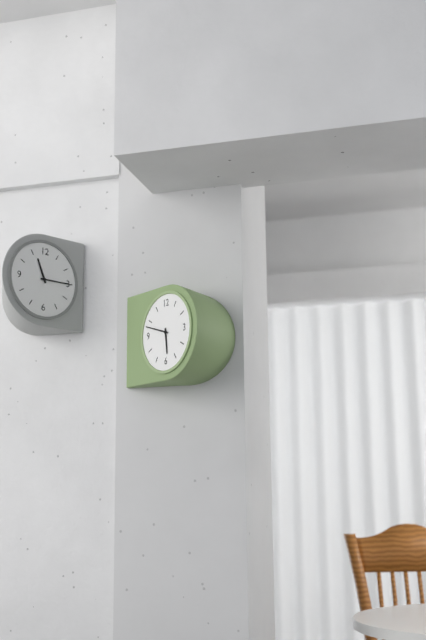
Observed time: 5:48
